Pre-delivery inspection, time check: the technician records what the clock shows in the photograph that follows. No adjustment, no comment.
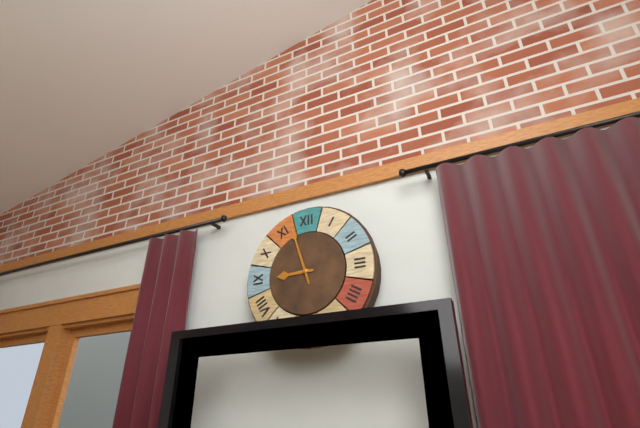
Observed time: 8:57
